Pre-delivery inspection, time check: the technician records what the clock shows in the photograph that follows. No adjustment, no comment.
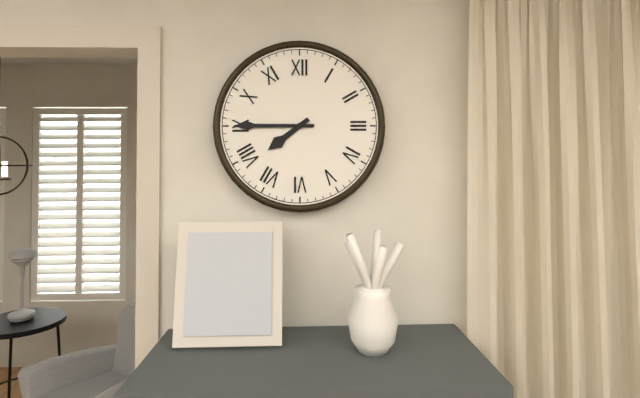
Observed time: 7:45
